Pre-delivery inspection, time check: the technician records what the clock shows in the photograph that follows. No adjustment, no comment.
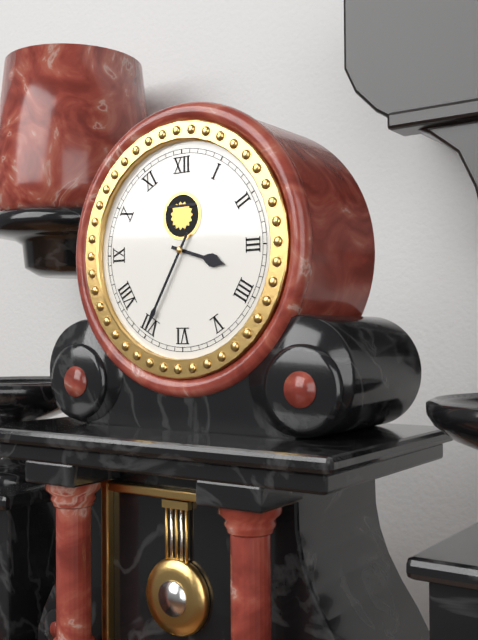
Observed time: 3:35
